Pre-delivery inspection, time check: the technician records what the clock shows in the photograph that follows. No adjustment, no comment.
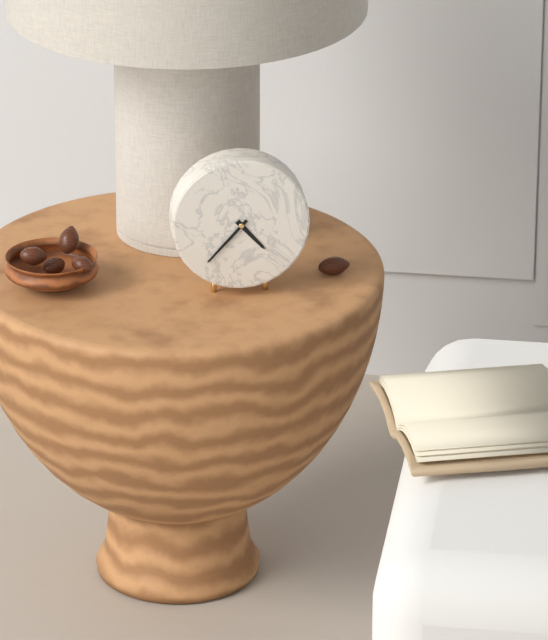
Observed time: 4:37
